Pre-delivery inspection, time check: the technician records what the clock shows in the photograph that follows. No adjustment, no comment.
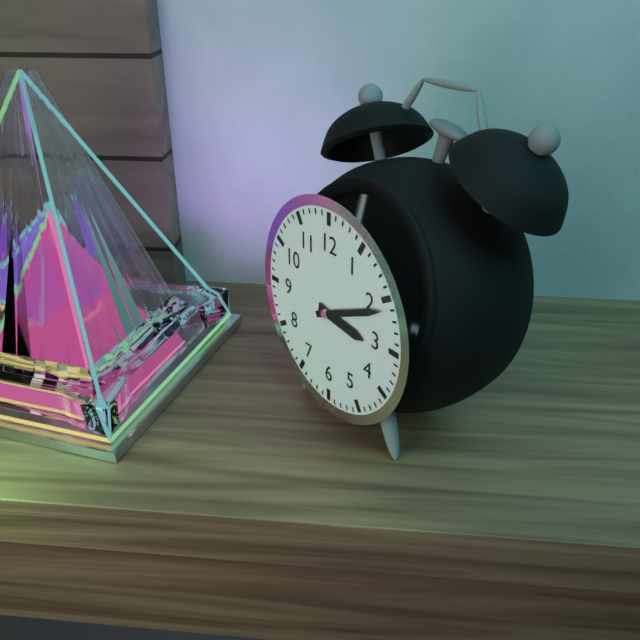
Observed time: 3:11
